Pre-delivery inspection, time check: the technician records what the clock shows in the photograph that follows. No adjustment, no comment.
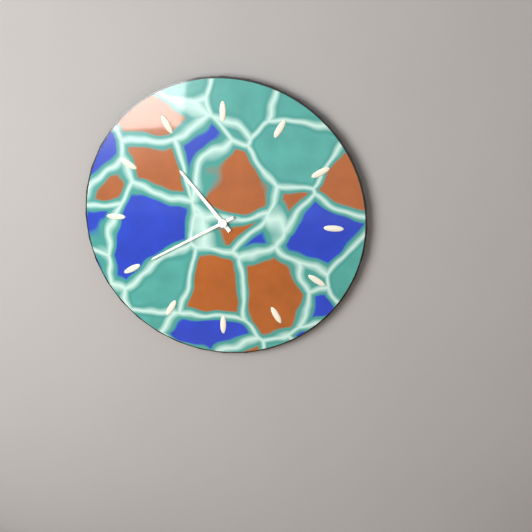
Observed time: 10:40
